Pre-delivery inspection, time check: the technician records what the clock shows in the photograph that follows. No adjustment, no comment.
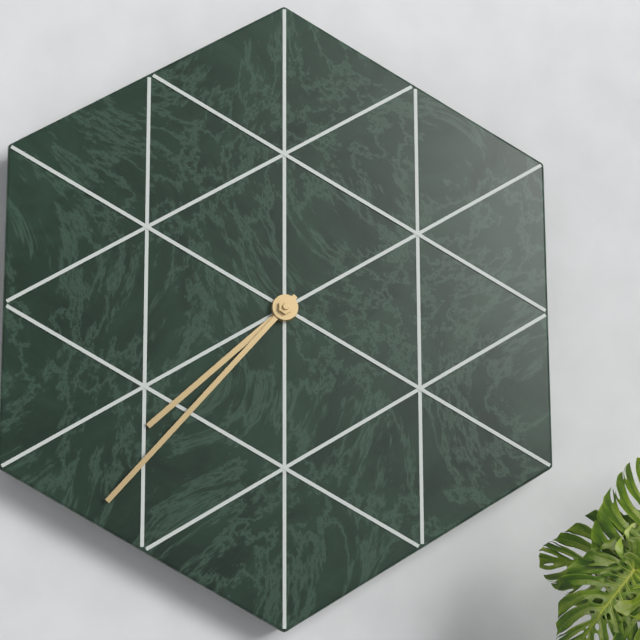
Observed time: 7:37
